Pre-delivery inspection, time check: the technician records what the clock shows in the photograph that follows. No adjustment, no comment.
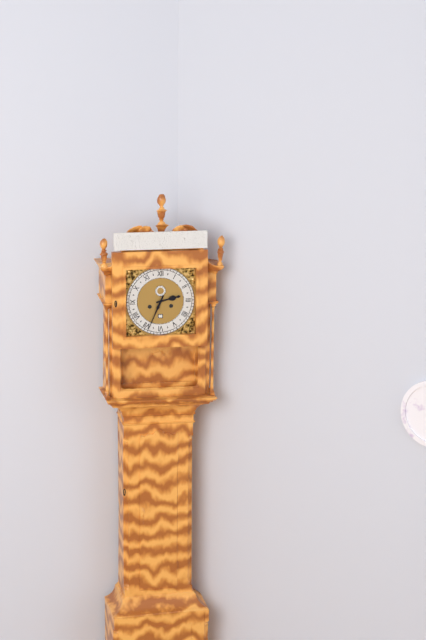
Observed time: 2:34
